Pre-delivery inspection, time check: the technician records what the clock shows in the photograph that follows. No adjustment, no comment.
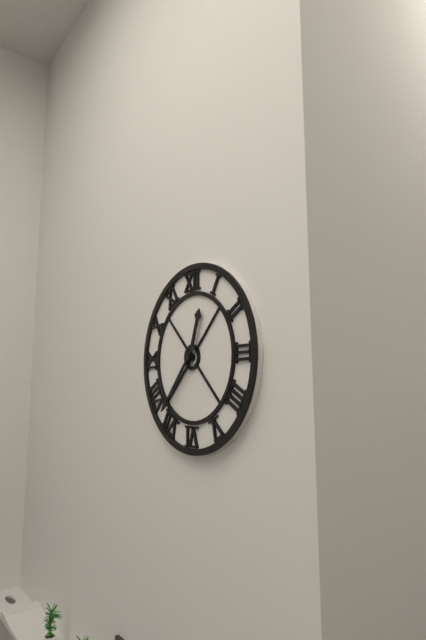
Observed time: 12:37
